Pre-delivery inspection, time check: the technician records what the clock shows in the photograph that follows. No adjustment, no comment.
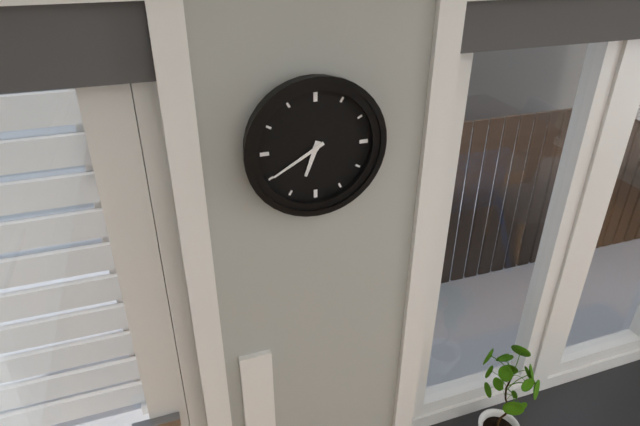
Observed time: 6:40
